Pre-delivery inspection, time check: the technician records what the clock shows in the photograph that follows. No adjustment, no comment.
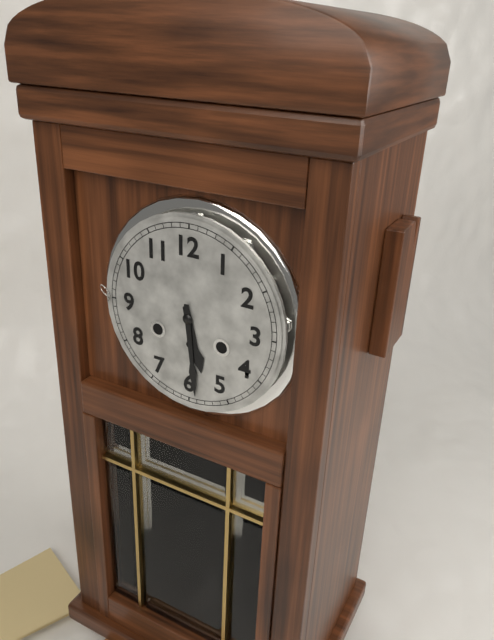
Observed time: 5:29
